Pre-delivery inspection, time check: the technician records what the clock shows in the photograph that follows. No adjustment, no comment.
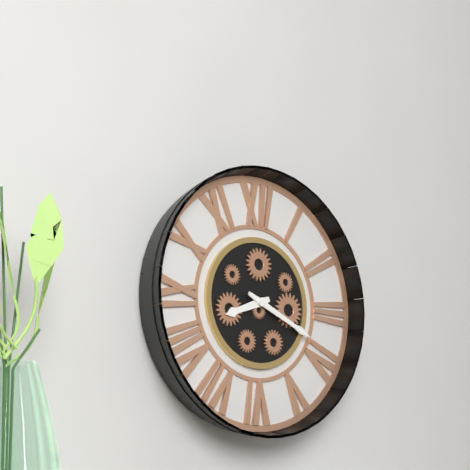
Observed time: 8:19
